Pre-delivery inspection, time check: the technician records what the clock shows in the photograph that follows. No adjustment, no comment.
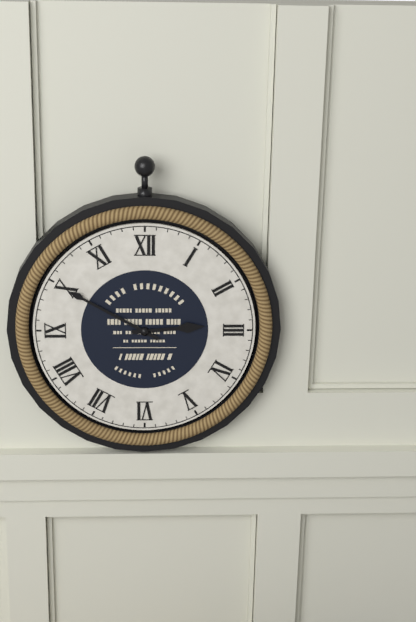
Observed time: 2:50
